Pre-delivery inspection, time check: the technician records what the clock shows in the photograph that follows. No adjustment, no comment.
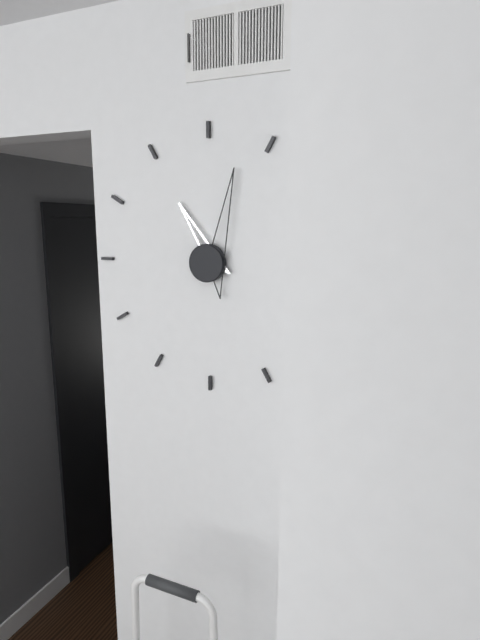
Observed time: 11:03
